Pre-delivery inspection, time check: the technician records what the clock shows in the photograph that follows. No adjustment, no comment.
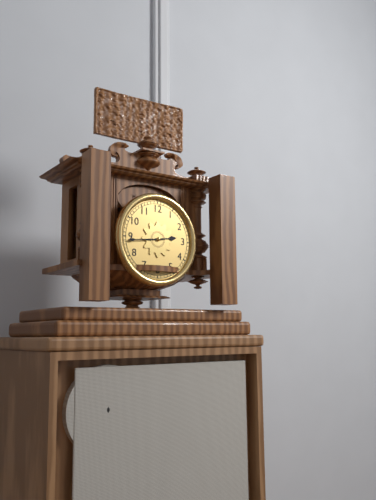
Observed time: 2:44
